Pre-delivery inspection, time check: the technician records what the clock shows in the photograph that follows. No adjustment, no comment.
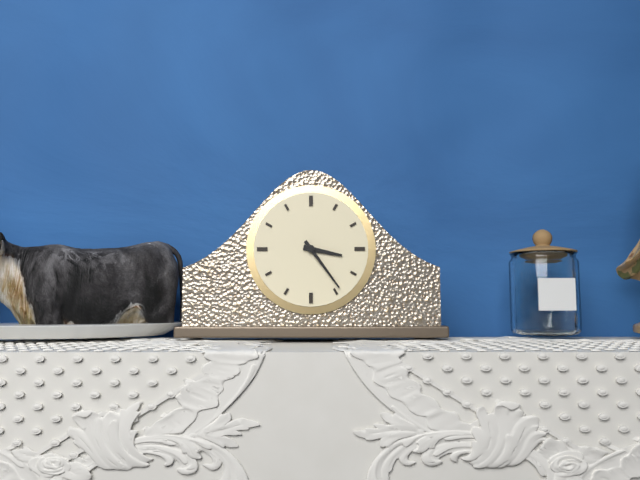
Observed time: 3:24
